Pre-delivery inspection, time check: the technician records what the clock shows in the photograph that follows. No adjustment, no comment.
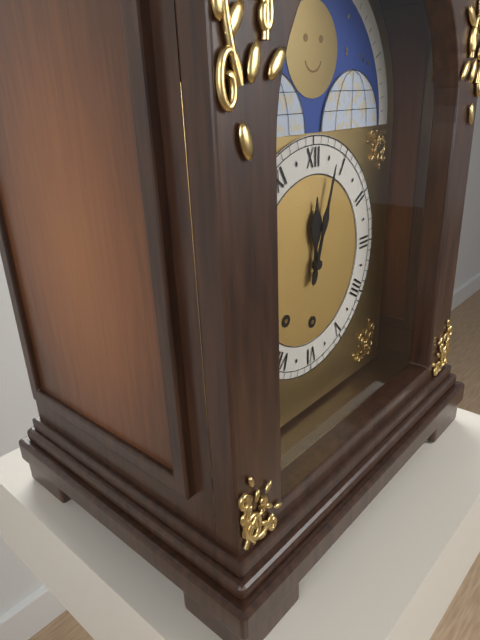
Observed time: 12:03
